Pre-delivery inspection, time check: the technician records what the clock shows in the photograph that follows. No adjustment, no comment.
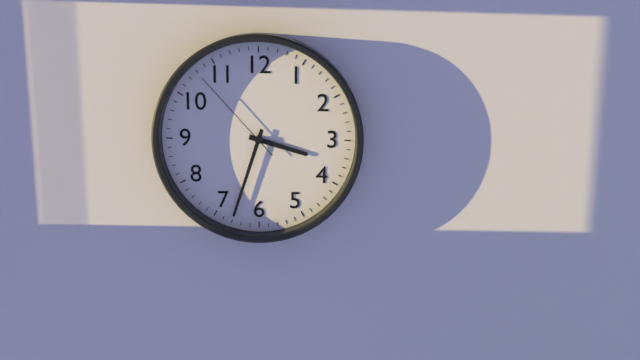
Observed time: 3:33:53
